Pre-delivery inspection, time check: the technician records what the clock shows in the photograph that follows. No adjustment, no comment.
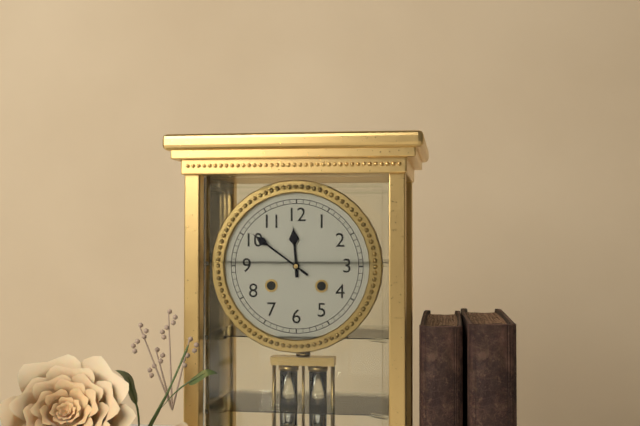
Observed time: 11:51
